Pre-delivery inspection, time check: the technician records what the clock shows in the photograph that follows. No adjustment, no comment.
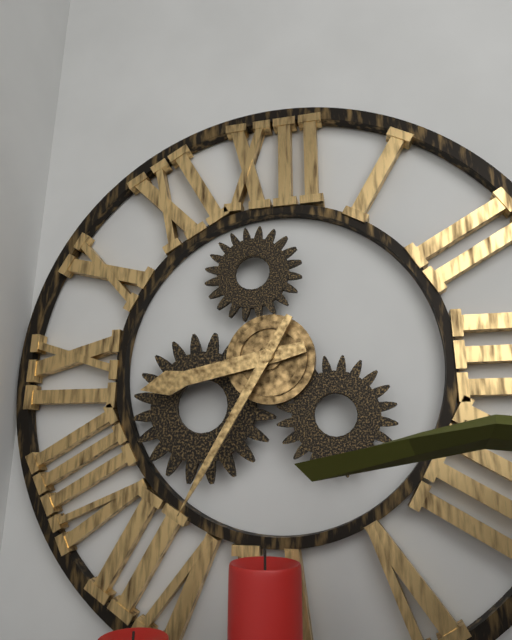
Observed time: 8:35
